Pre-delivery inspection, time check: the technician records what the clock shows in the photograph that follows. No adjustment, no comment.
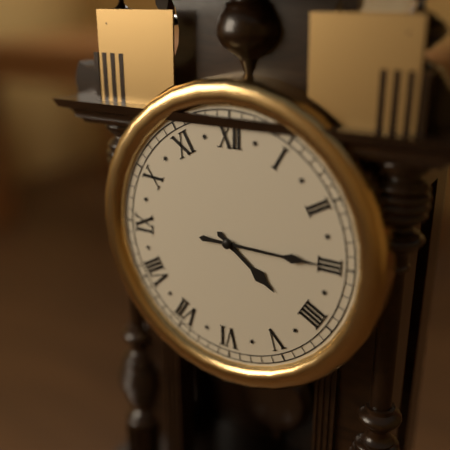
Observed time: 4:15
